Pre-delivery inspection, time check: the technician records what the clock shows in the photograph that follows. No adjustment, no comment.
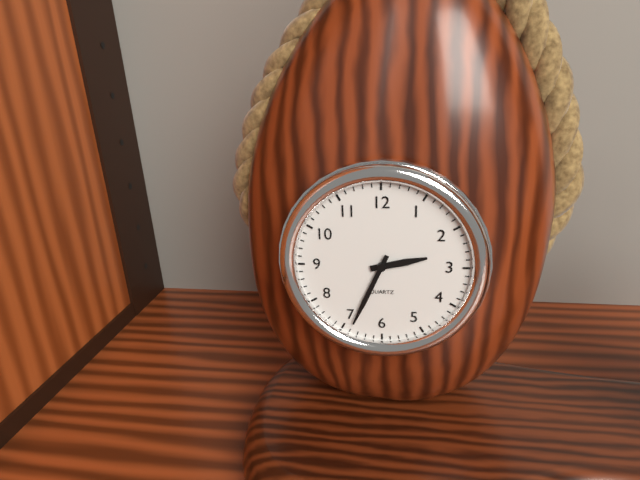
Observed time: 2:34
